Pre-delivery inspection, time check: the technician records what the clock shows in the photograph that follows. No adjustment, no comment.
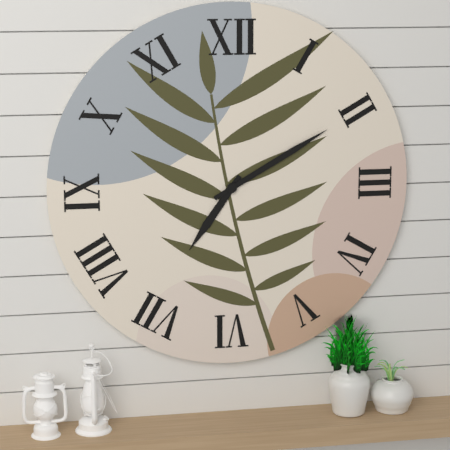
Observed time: 7:10
